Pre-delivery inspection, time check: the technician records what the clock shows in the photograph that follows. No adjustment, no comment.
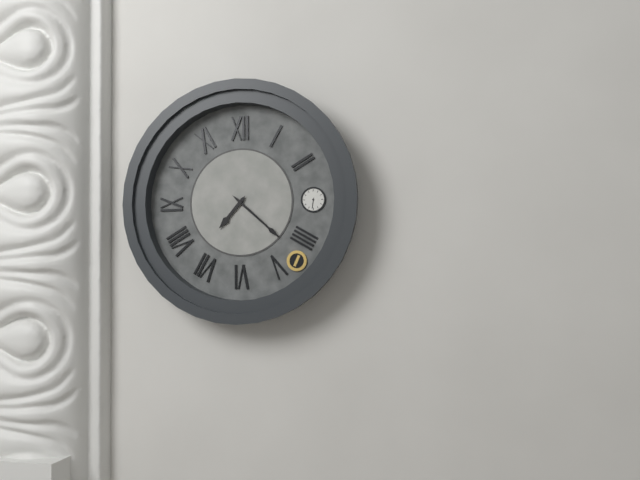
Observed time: 7:22
